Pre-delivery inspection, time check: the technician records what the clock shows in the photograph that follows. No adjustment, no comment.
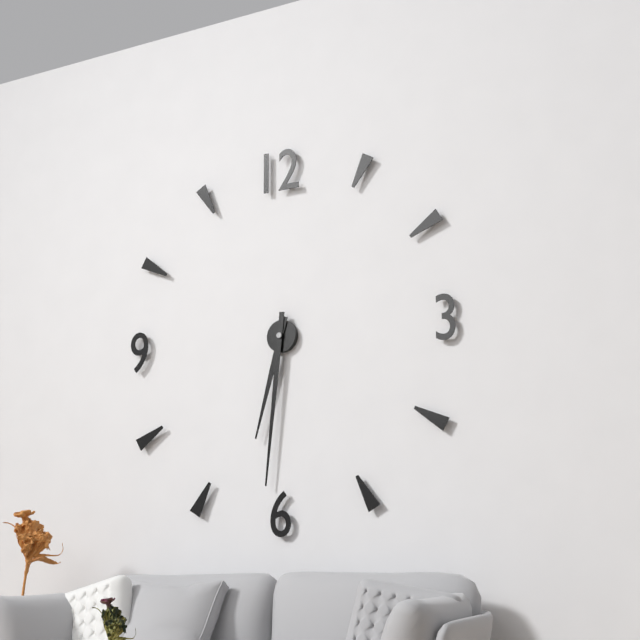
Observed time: 6:31
